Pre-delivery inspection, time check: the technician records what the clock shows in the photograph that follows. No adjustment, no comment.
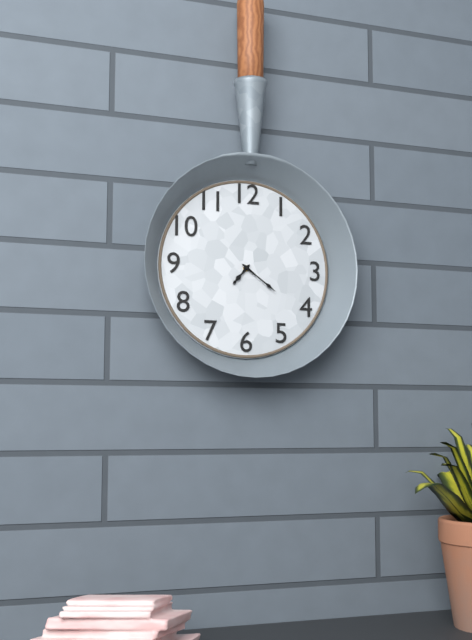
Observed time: 7:21
